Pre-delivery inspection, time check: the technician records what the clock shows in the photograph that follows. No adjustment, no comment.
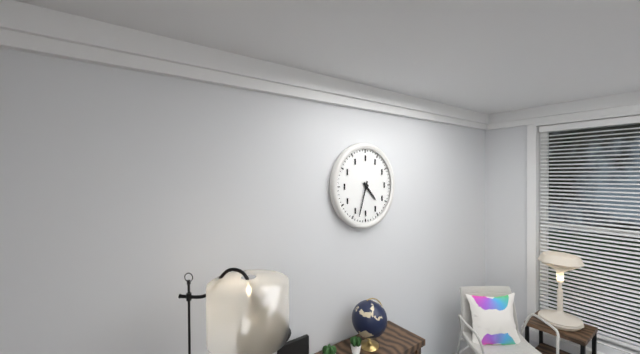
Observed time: 4:33
